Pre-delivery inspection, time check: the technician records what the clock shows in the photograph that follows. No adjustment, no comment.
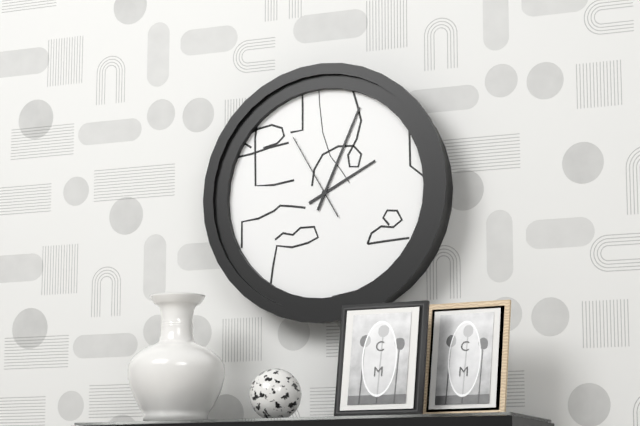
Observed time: 2:04:55
